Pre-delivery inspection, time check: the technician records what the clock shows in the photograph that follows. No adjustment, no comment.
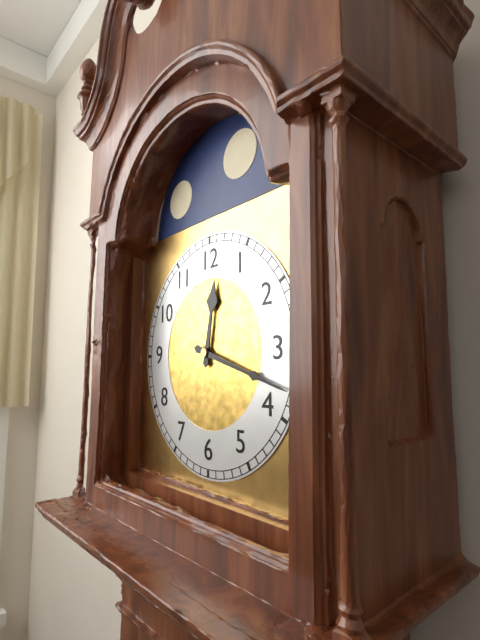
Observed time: 12:18
